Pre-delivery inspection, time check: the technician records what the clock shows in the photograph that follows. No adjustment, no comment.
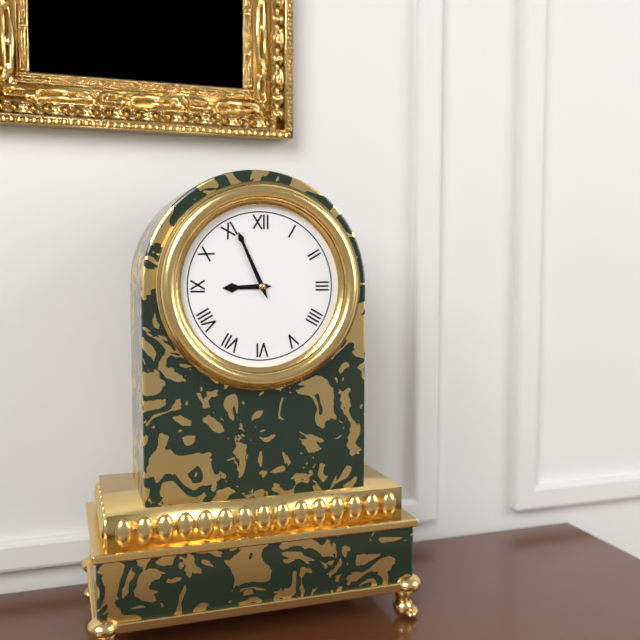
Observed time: 8:56
